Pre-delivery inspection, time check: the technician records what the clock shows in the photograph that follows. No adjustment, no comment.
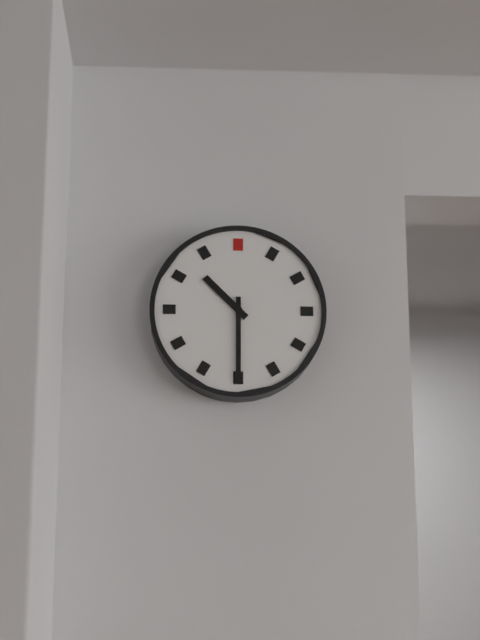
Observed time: 10:30
